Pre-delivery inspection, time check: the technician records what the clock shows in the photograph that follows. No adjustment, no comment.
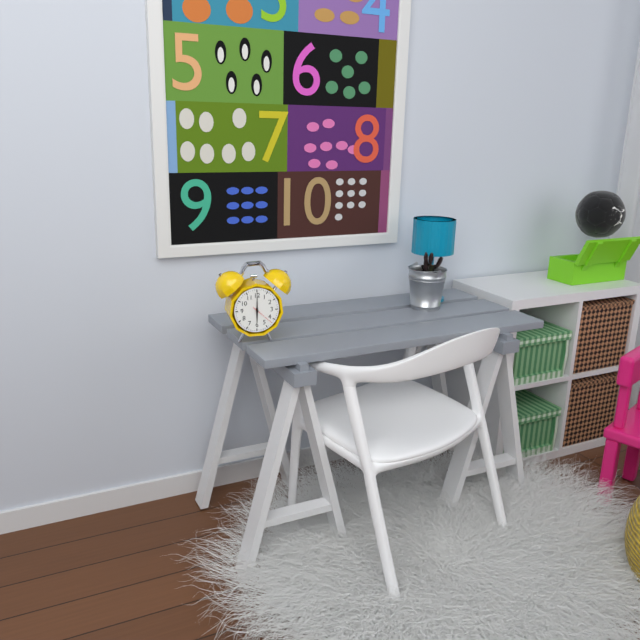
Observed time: 6:00
